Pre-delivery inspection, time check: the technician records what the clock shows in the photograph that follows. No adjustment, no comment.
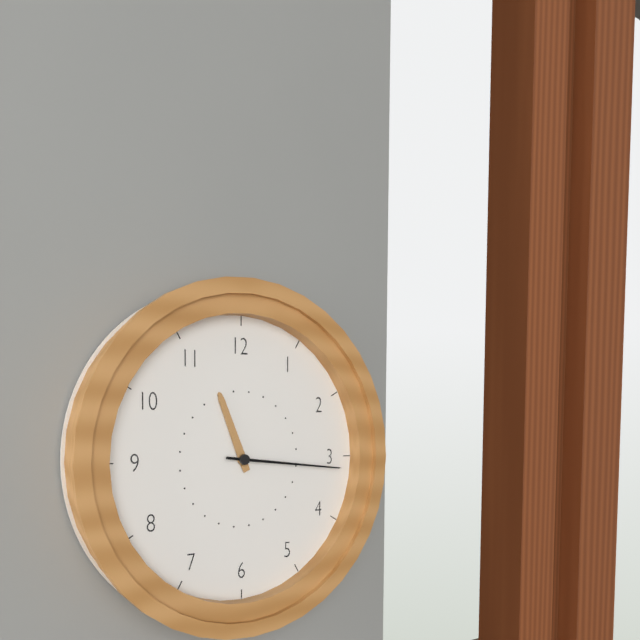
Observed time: 11:16
